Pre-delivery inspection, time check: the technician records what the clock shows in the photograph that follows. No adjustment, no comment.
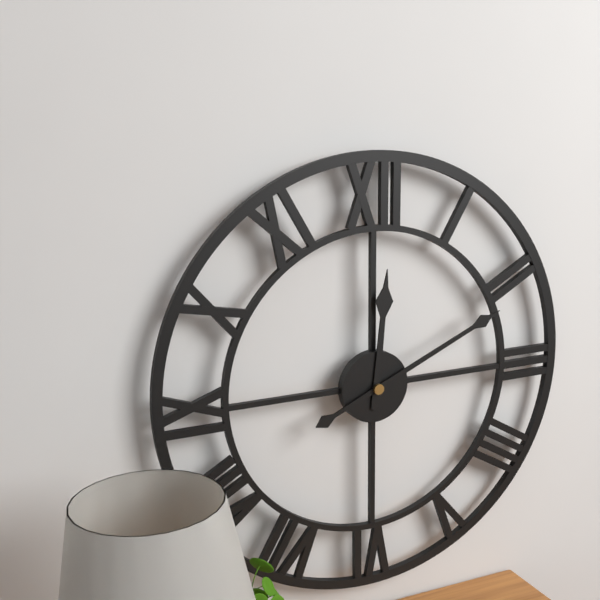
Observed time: 12:11
